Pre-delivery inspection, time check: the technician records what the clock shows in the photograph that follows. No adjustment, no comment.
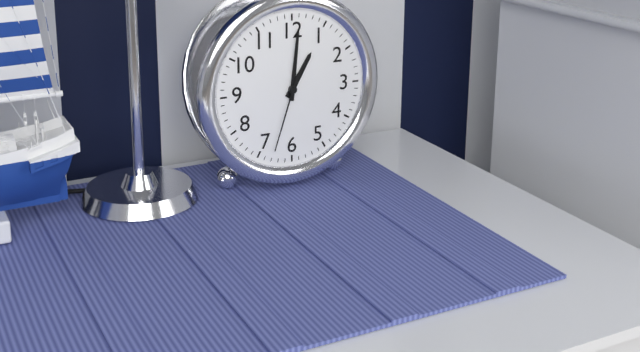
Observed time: 1:01:33
